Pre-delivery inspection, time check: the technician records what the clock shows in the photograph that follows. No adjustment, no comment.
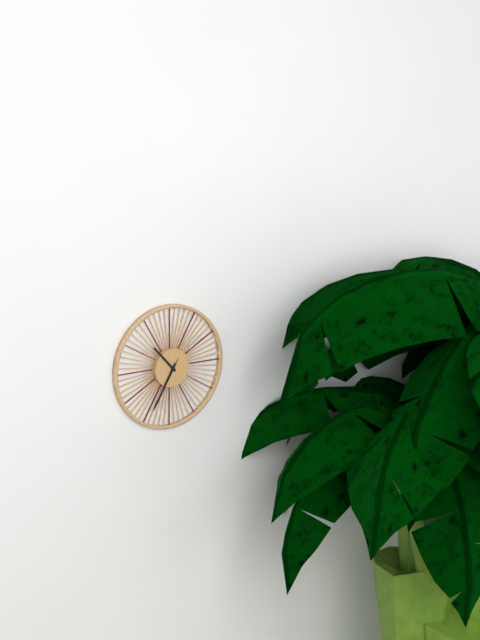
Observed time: 10:35:35
